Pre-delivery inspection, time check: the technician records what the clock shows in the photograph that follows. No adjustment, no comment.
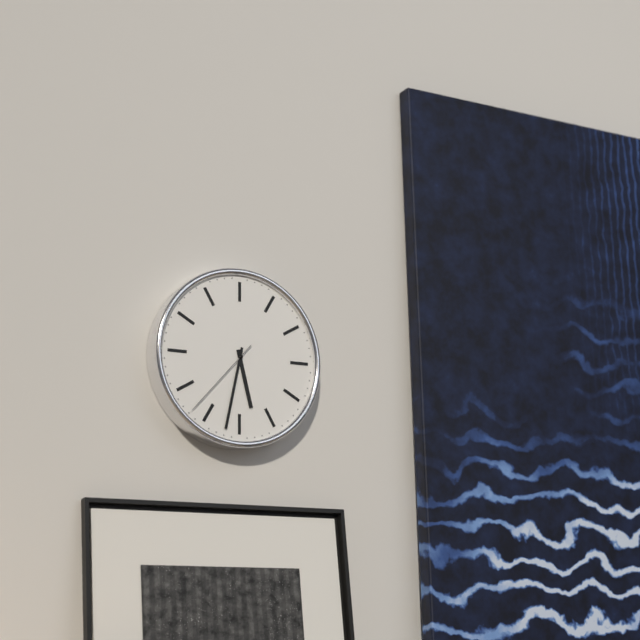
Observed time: 5:32:37
